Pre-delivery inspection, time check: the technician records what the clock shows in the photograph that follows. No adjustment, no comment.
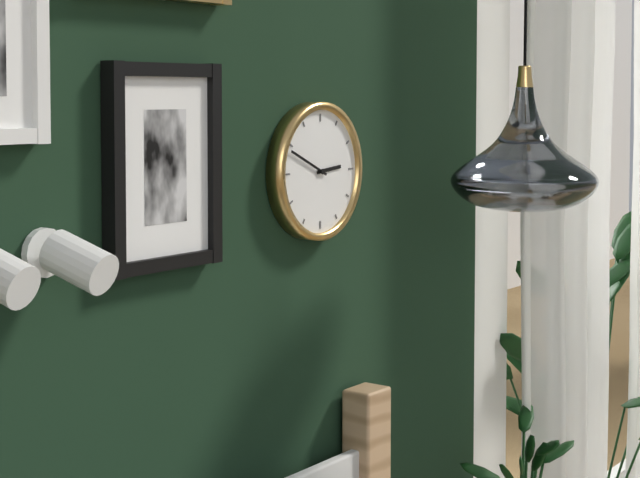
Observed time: 2:49
